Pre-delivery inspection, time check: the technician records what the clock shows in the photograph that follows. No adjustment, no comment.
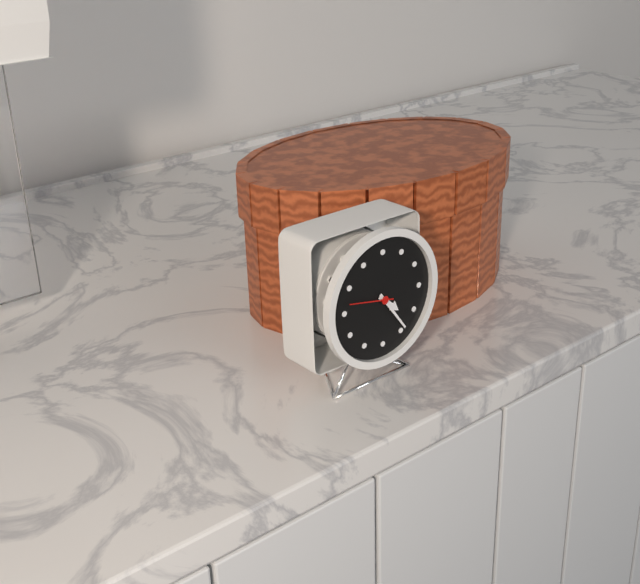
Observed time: 4:24
